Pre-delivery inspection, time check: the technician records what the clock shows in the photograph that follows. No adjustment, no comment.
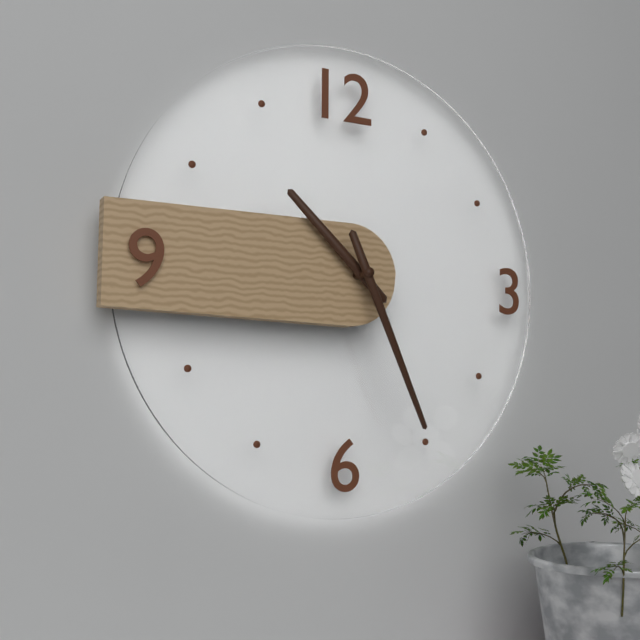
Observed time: 10:26
